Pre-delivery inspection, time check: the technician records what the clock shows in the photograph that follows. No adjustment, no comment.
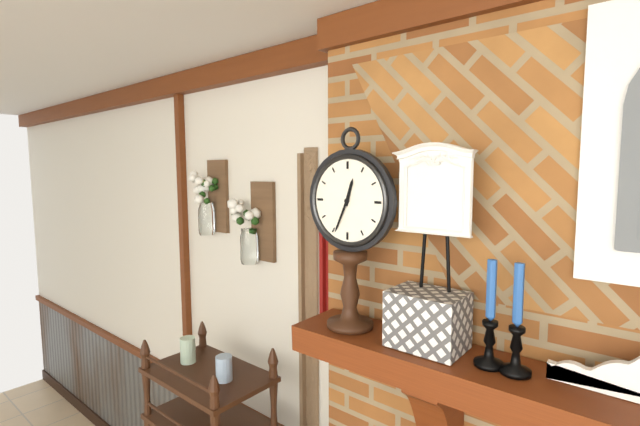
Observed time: 12:34
